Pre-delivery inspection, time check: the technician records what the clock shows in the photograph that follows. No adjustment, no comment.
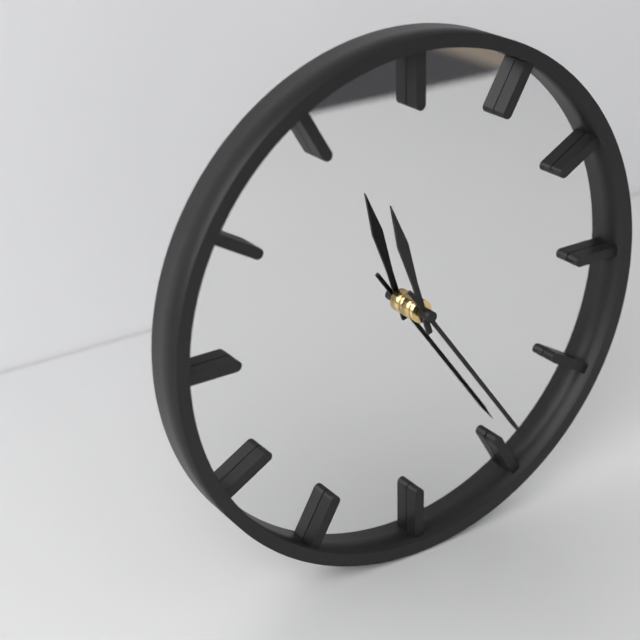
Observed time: 11:24
